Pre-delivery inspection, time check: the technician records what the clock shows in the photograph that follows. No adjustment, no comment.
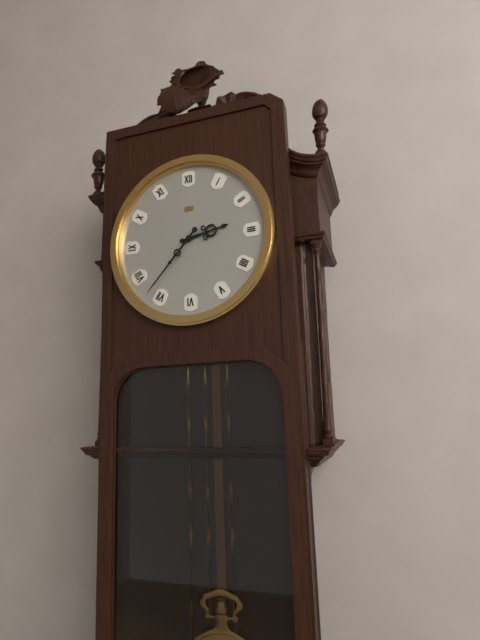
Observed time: 2:37
